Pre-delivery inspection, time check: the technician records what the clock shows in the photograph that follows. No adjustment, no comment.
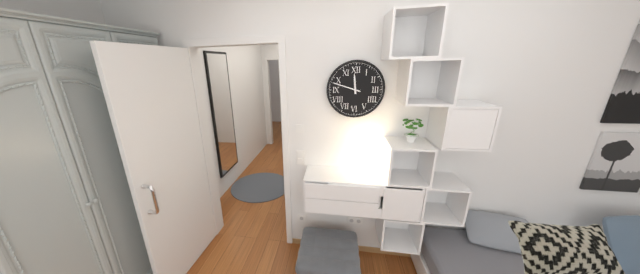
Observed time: 11:48
